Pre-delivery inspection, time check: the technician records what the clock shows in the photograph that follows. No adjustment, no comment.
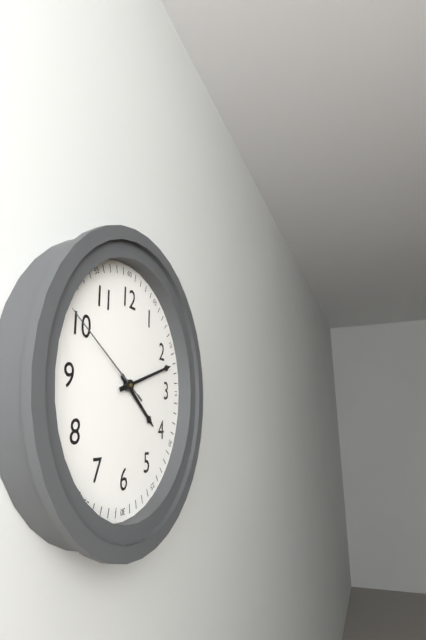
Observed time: 4:12:50
